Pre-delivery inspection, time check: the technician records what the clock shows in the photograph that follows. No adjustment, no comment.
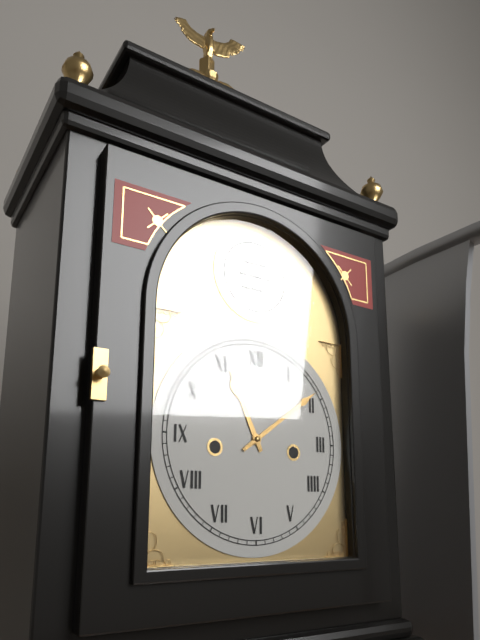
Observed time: 11:09
